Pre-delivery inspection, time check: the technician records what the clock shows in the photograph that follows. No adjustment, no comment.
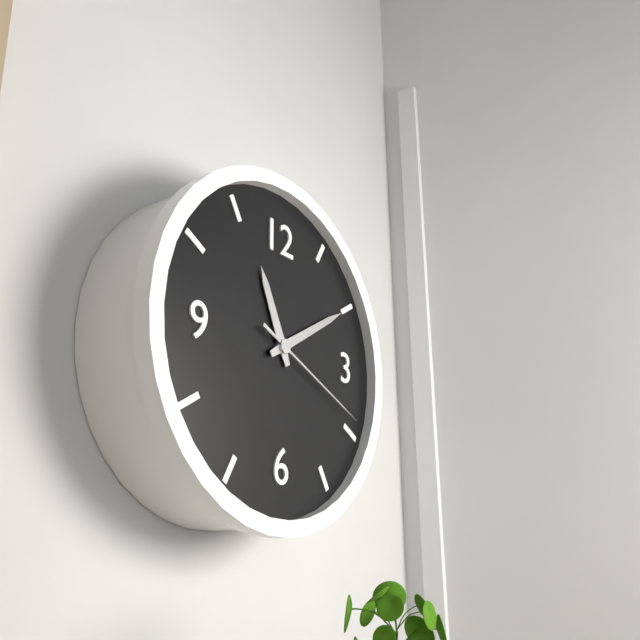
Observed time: 11:10:19
